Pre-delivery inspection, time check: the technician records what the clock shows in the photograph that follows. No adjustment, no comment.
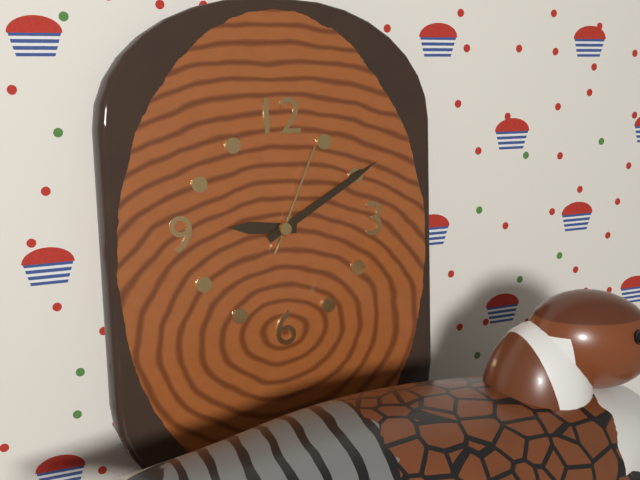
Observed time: 9:10:04
